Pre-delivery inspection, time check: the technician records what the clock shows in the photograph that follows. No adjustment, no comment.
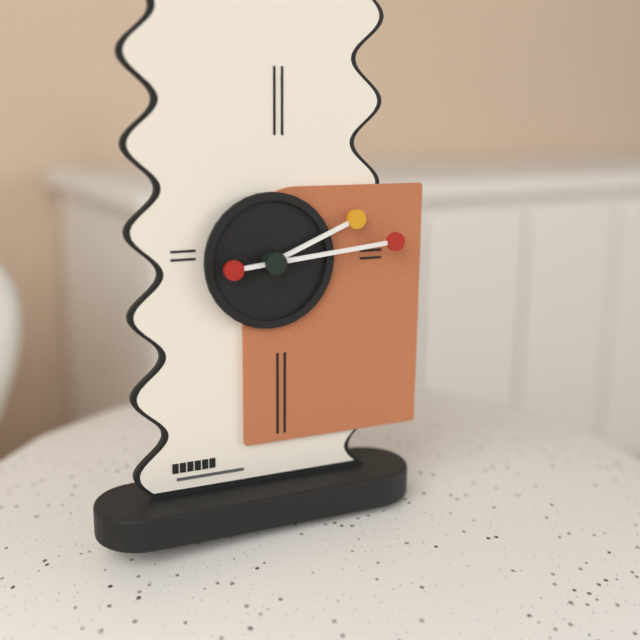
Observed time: 2:14
